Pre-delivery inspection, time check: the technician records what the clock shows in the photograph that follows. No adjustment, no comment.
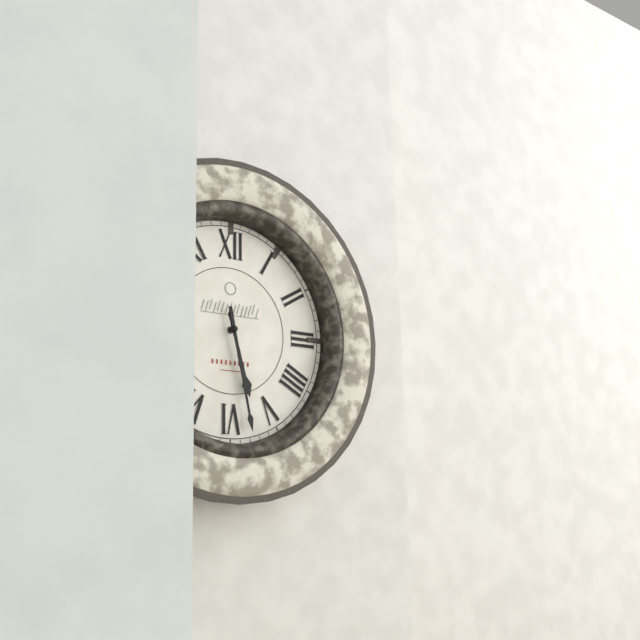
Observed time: 5:28
